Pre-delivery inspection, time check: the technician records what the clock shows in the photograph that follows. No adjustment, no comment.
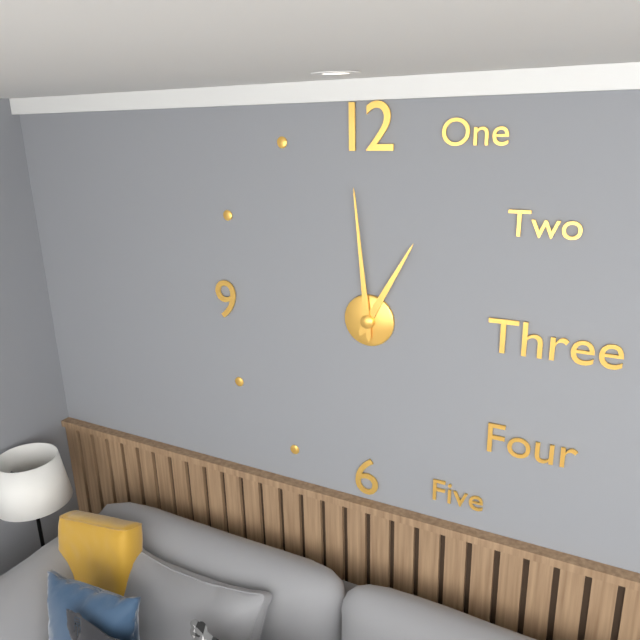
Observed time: 12:59
